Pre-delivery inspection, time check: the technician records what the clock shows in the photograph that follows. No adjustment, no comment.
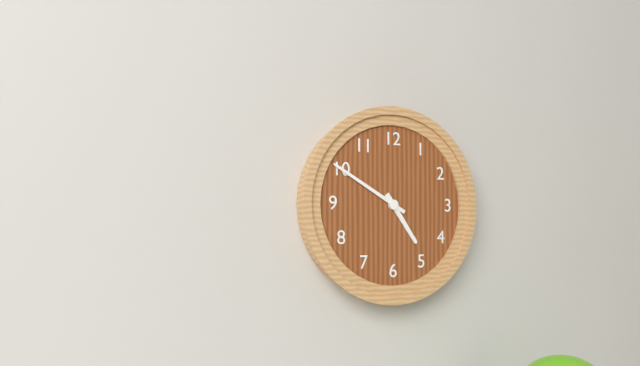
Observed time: 4:50
